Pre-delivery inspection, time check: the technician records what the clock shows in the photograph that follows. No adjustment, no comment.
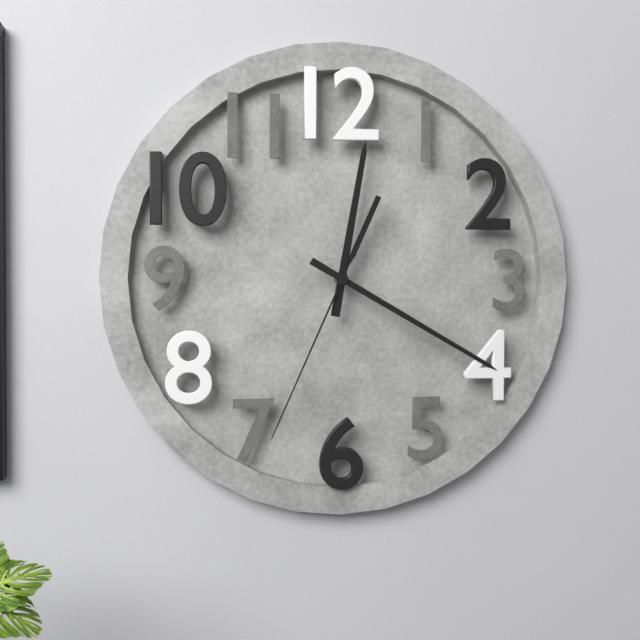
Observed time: 12:20:34
